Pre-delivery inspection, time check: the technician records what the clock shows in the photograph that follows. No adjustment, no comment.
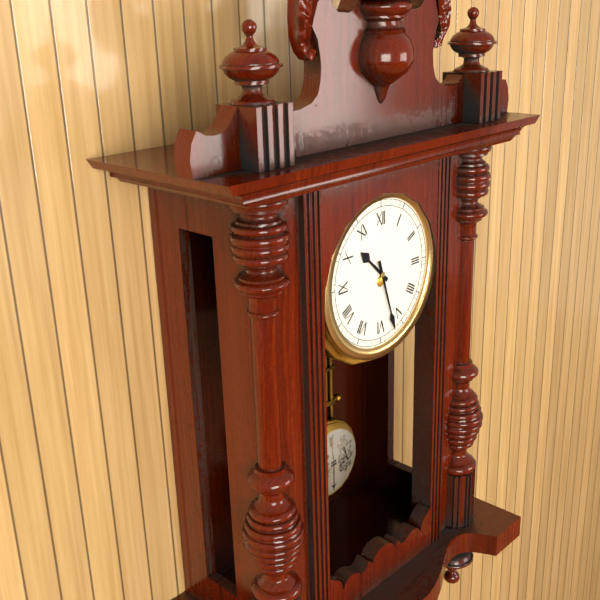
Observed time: 10:27
